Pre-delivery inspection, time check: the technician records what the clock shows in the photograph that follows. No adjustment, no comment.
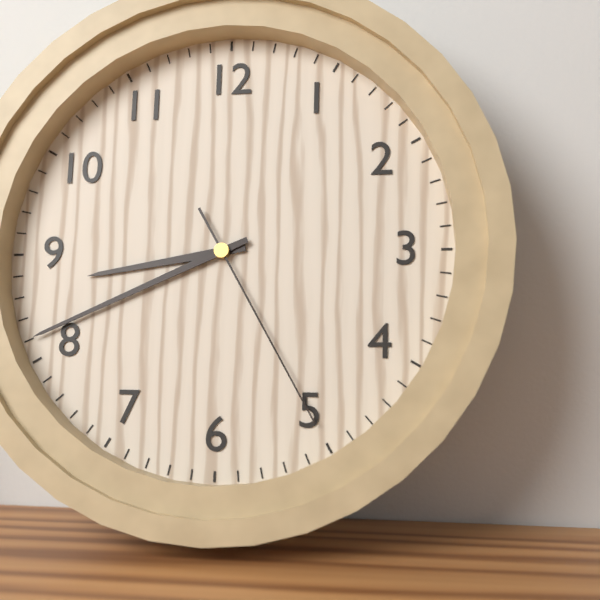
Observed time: 8:41:25
